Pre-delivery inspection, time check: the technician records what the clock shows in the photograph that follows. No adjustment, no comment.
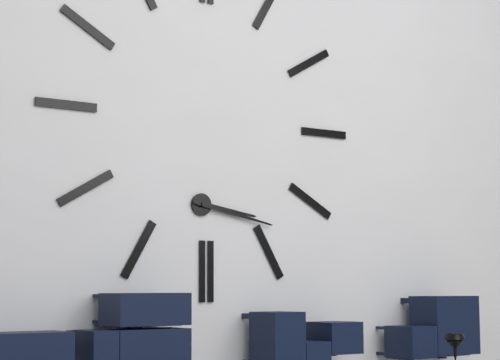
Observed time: 3:17
